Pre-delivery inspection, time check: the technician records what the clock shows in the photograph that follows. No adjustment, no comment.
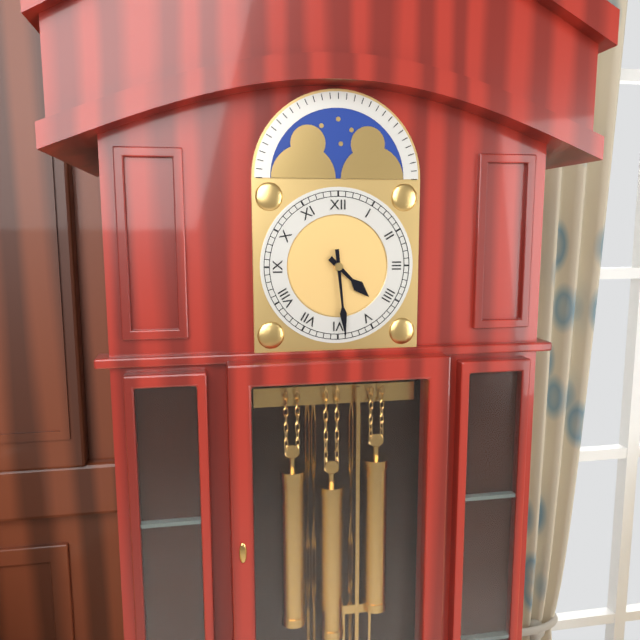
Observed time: 4:29
